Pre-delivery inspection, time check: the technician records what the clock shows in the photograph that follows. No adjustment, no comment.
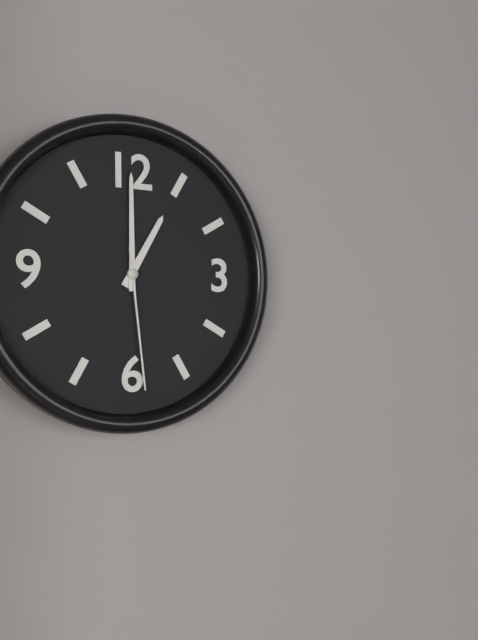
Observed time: 1:00:29
